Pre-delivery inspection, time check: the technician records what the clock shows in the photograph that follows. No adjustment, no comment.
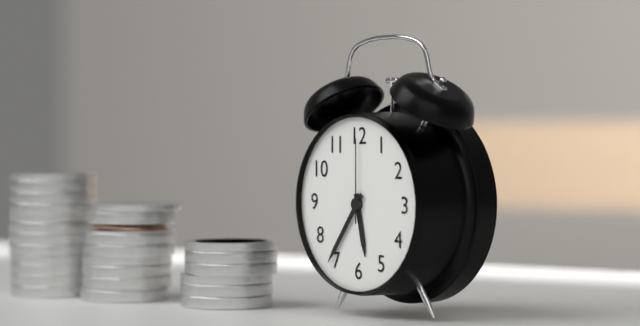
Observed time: 5:36:00
